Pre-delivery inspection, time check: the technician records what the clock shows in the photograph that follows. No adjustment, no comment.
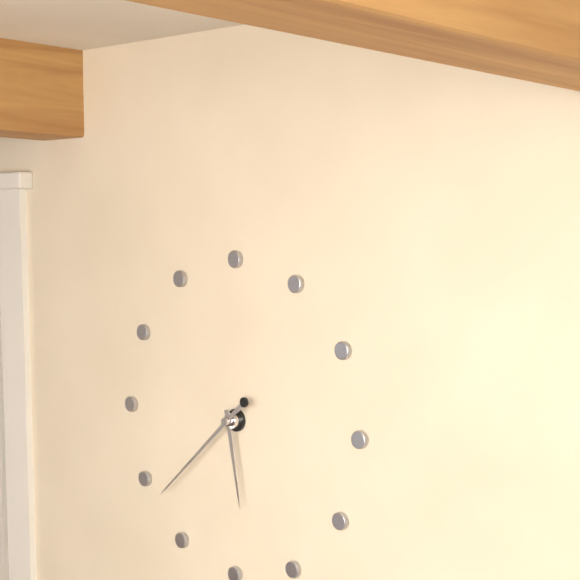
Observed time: 5:38
